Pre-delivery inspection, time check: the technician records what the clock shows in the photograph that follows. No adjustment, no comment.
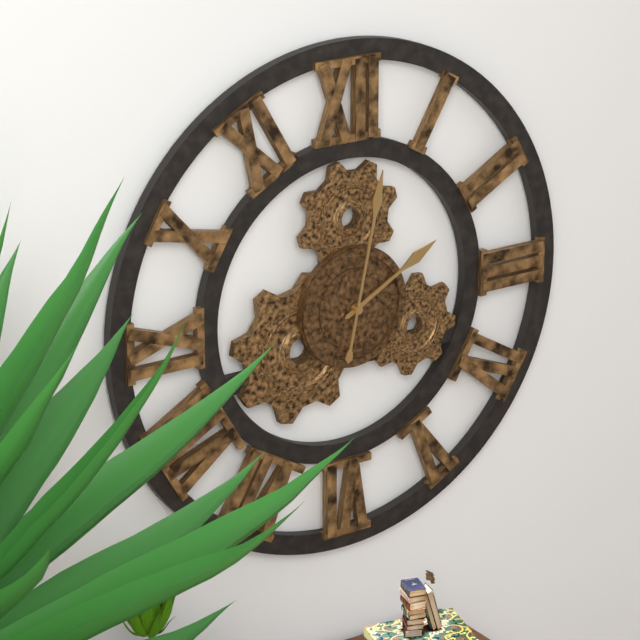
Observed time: 2:02
